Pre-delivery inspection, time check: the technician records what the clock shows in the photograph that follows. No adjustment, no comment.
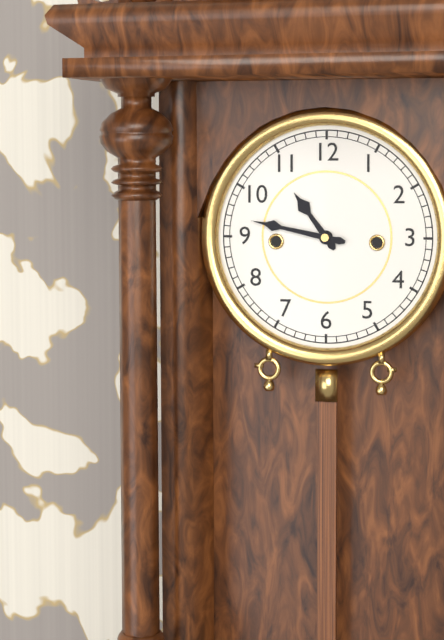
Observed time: 10:47
